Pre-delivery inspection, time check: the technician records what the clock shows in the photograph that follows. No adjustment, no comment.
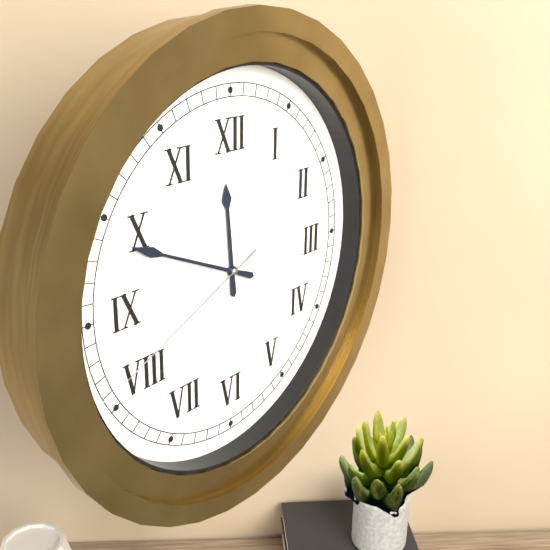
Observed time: 11:49:41
